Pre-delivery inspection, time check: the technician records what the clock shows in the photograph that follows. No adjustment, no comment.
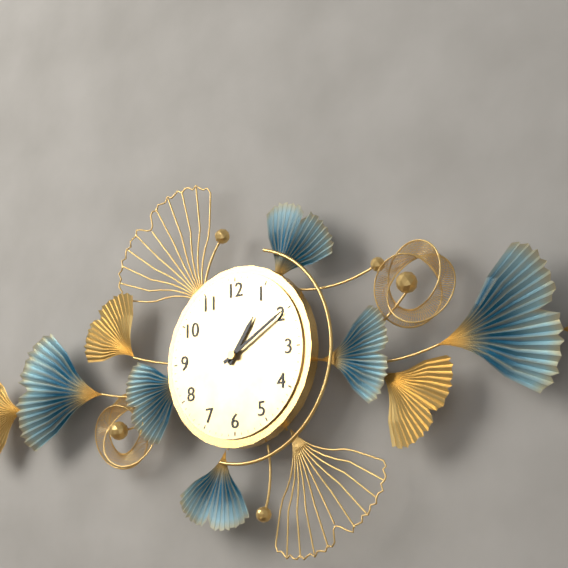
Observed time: 1:10
